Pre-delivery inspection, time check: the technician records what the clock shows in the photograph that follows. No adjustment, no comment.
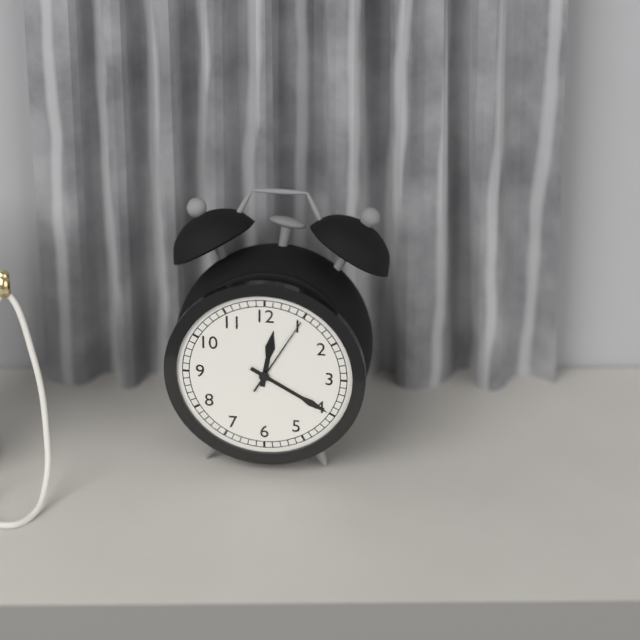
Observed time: 12:20:05
